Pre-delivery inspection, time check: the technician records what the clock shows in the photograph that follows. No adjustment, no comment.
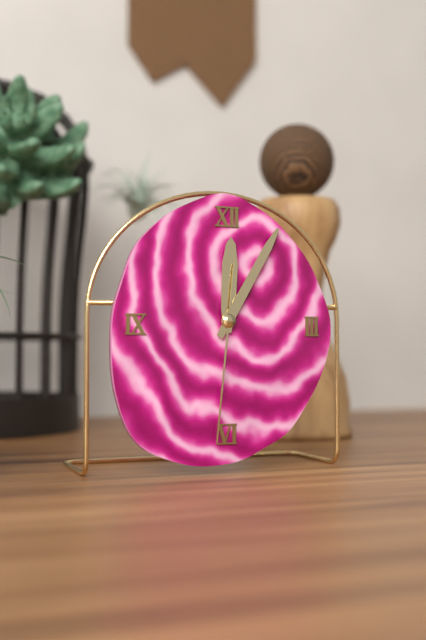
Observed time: 12:05:31
